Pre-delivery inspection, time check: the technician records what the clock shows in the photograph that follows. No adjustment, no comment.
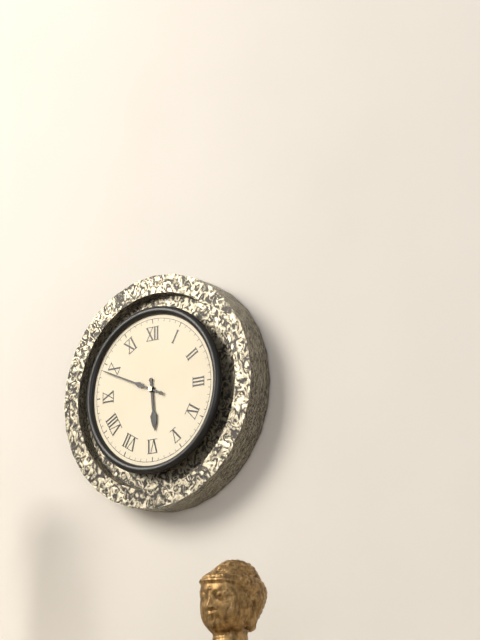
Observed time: 5:49
